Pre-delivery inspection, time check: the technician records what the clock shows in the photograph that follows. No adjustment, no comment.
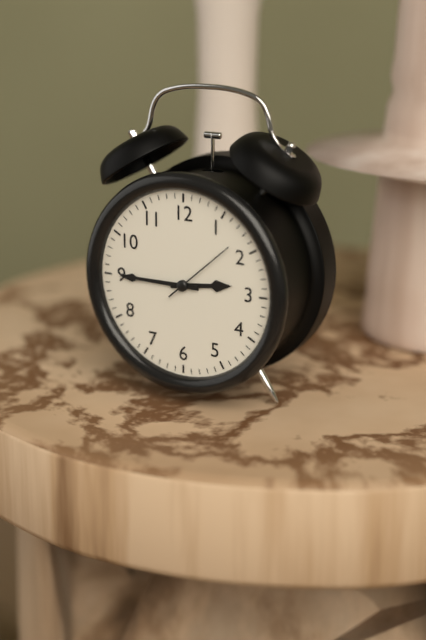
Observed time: 2:45:08
